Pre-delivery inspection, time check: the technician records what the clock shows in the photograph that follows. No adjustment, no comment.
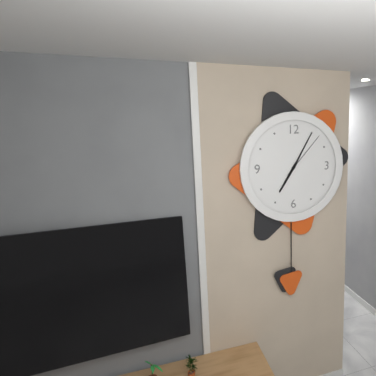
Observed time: 7:05:07
